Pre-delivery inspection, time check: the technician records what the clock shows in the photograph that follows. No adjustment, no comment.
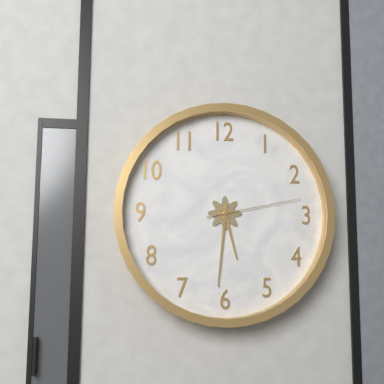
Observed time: 5:31:13
